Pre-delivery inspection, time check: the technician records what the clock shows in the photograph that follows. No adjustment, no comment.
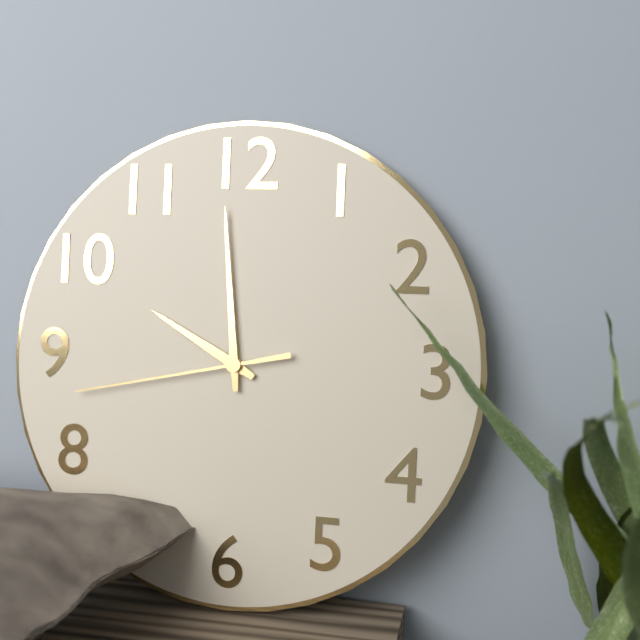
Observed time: 9:59:43
